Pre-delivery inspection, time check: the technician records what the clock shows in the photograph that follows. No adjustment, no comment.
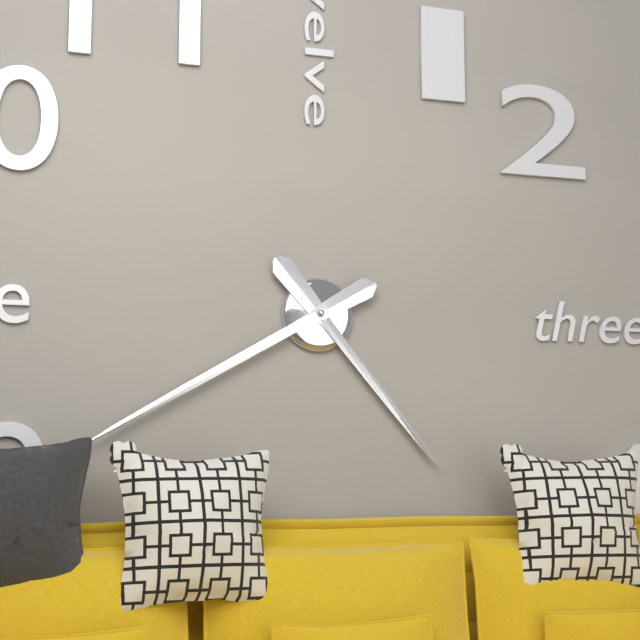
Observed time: 4:40
